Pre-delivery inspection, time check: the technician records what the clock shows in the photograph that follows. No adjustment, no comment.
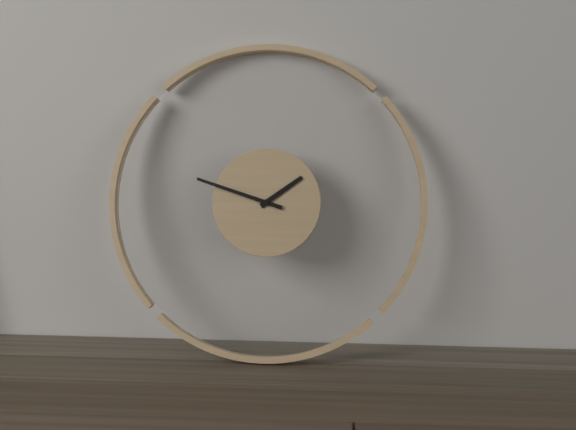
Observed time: 1:48
